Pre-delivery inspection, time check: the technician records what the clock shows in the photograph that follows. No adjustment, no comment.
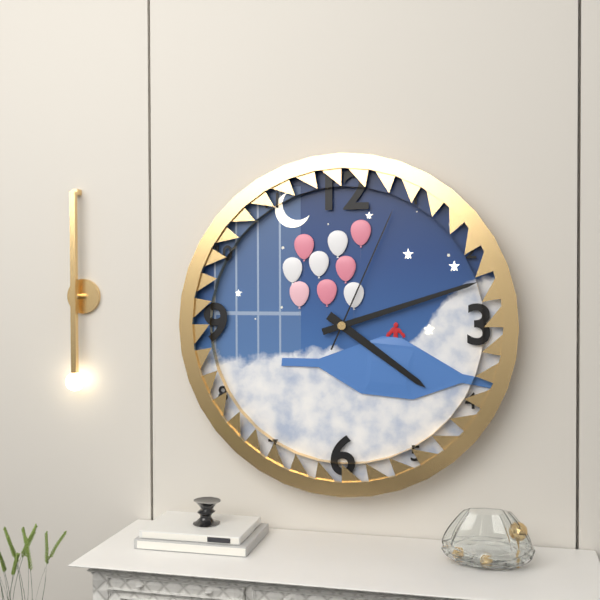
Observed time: 4:12:04
